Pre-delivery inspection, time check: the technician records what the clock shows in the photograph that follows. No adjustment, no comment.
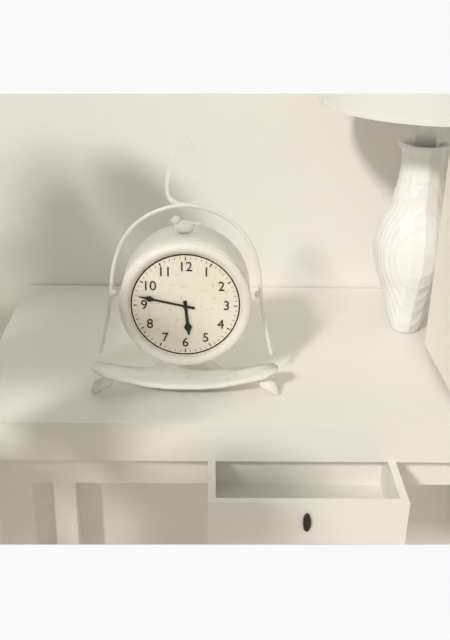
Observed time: 5:47
